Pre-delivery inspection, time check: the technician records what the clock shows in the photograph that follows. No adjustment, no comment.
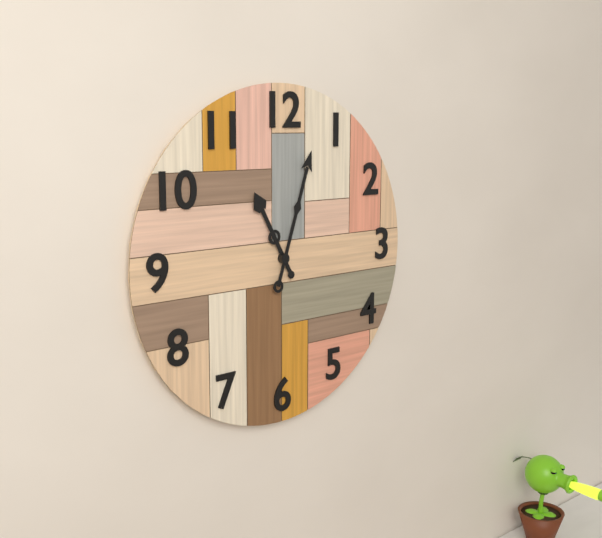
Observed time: 11:03
